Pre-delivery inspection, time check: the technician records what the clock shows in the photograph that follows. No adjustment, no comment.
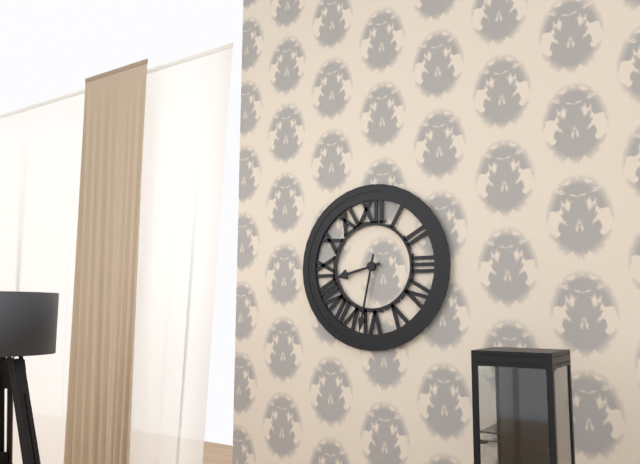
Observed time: 8:32
